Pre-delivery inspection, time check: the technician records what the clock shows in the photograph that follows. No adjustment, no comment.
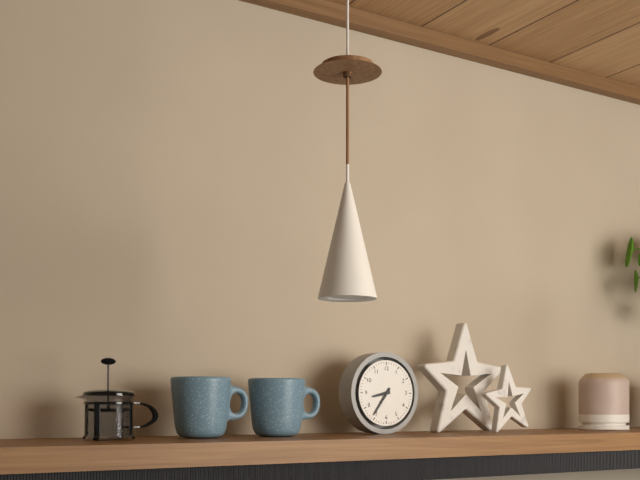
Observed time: 8:36
